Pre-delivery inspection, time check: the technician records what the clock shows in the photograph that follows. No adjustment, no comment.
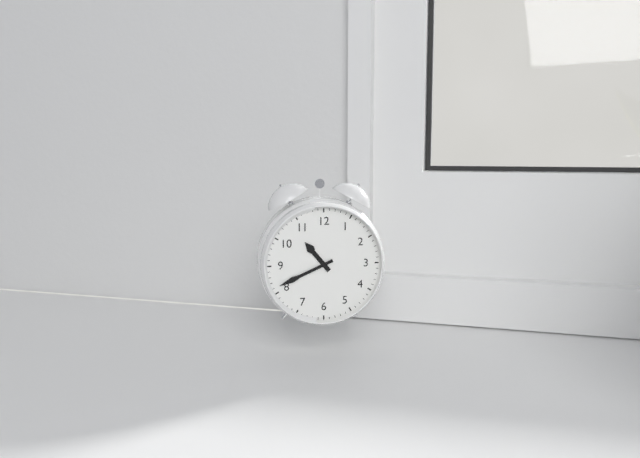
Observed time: 10:41
